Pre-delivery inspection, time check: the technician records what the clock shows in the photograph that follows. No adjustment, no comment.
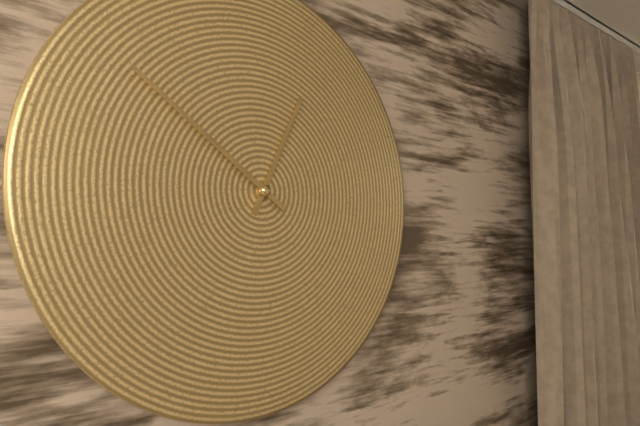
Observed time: 12:51
